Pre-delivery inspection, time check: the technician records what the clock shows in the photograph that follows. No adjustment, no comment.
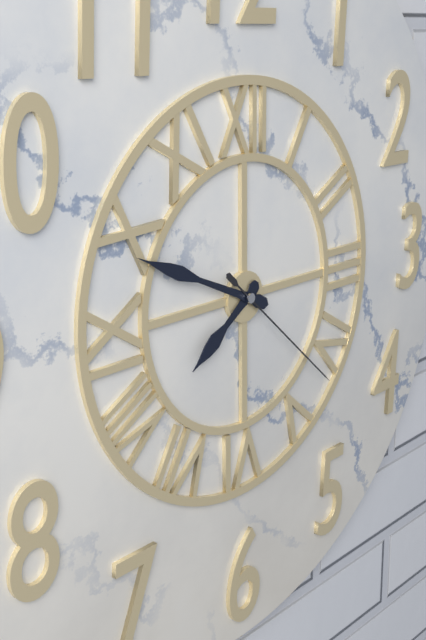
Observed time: 7:49:22
